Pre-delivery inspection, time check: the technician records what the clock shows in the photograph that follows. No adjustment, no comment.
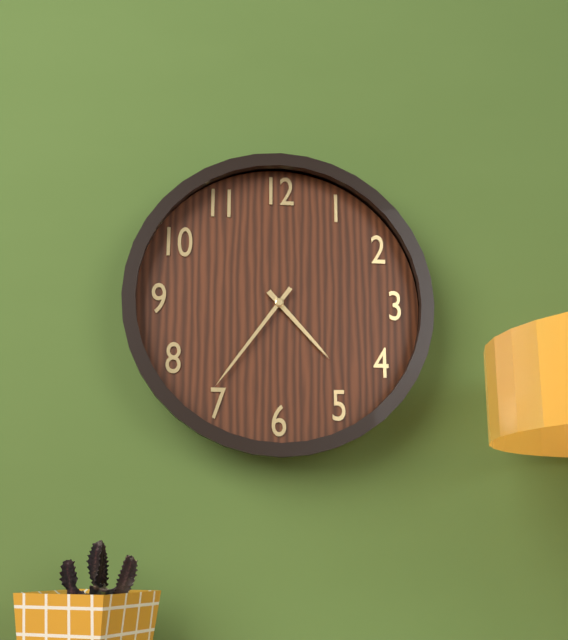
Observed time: 4:36
